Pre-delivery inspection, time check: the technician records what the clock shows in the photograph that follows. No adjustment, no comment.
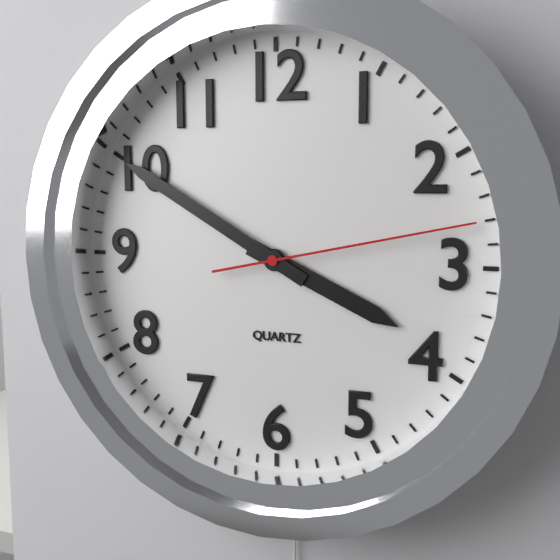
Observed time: 3:50:13
